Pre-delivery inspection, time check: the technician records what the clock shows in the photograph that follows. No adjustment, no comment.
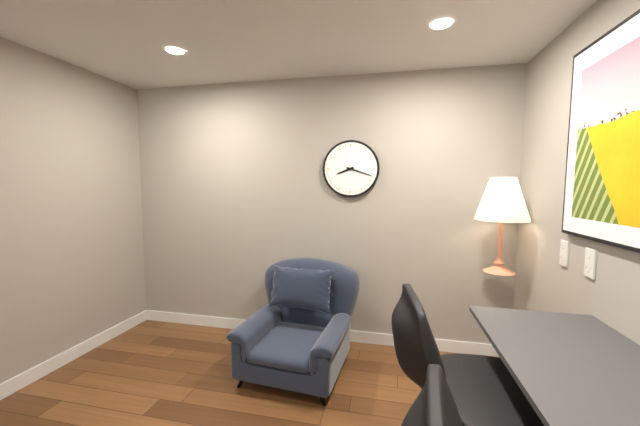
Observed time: 8:18
